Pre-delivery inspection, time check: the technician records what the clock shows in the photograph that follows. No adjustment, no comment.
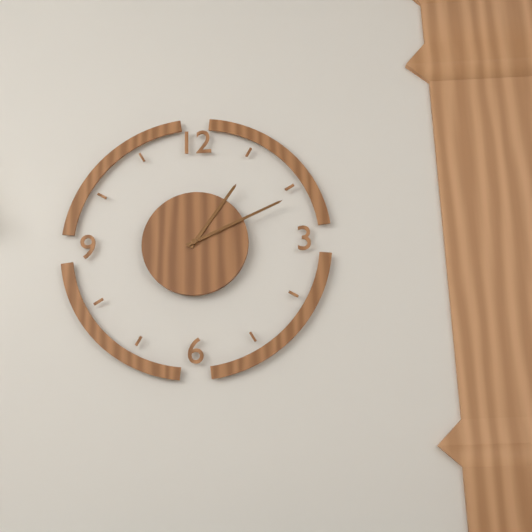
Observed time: 1:11
